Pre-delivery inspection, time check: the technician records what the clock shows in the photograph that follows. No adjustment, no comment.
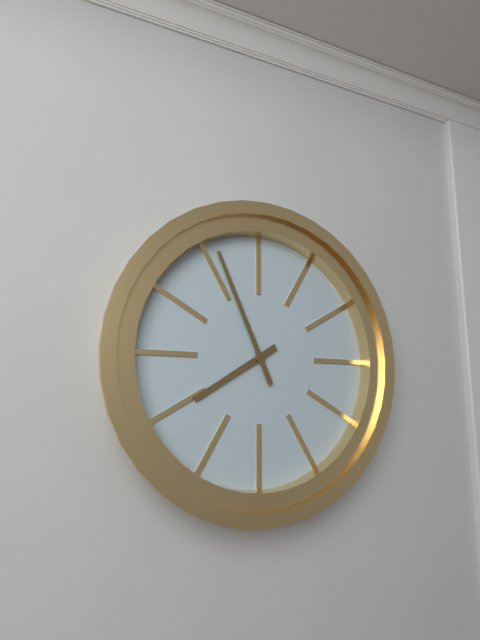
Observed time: 7:56
